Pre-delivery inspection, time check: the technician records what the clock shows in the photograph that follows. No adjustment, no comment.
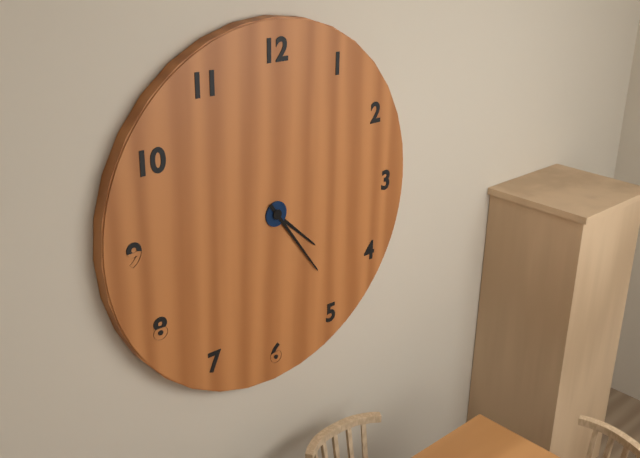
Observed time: 4:24
